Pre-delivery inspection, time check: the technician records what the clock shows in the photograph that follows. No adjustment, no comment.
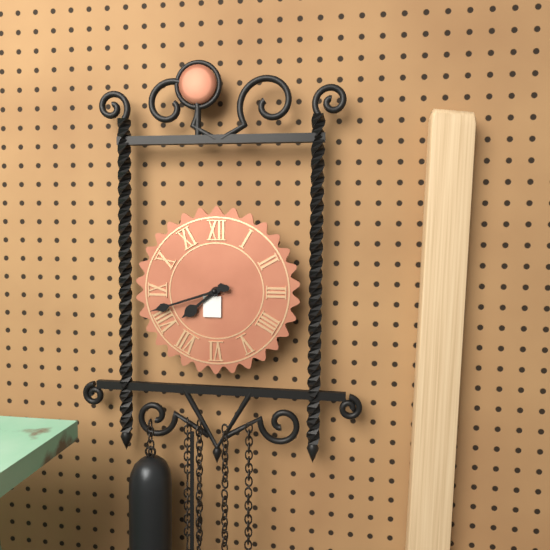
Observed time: 7:42
